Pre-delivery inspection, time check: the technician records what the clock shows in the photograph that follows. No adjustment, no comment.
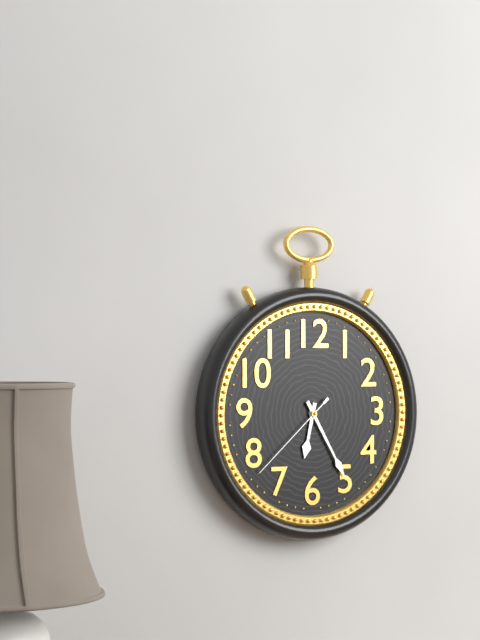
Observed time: 6:25:38
